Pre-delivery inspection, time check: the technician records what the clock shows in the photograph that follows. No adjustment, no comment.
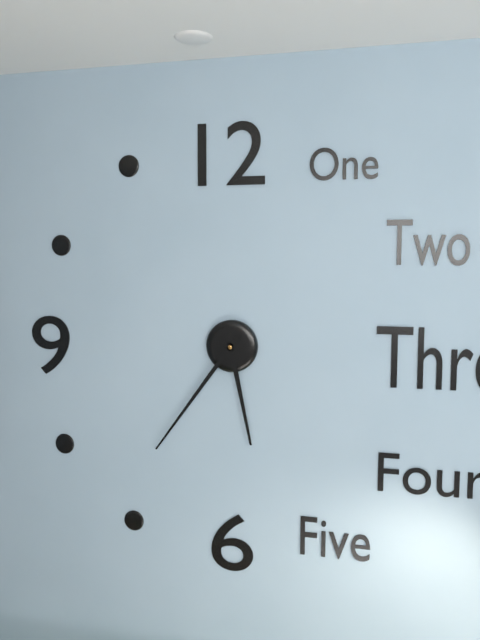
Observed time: 5:36
